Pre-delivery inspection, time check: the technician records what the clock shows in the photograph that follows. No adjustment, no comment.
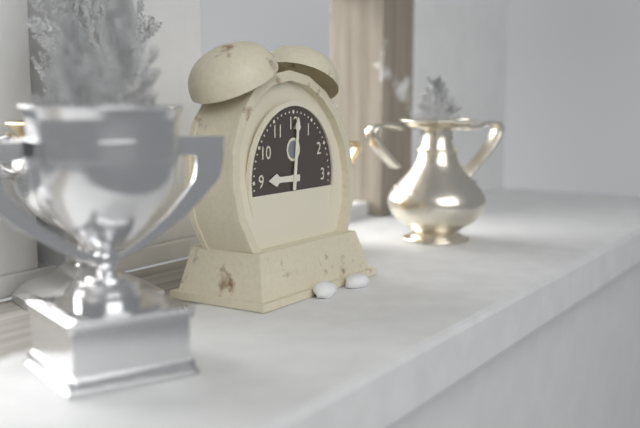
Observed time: 9:01
